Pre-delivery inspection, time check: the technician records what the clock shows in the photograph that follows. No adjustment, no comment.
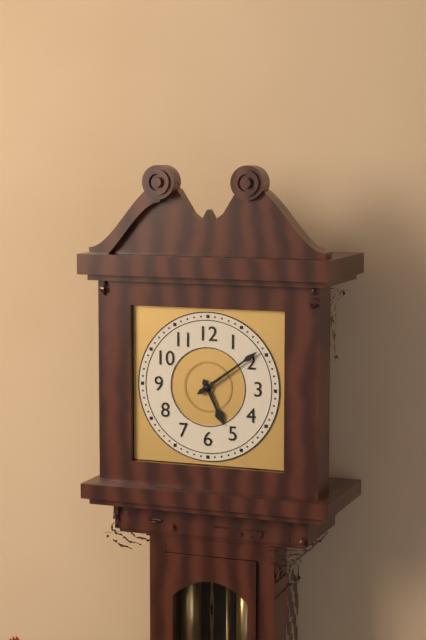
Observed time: 5:09
